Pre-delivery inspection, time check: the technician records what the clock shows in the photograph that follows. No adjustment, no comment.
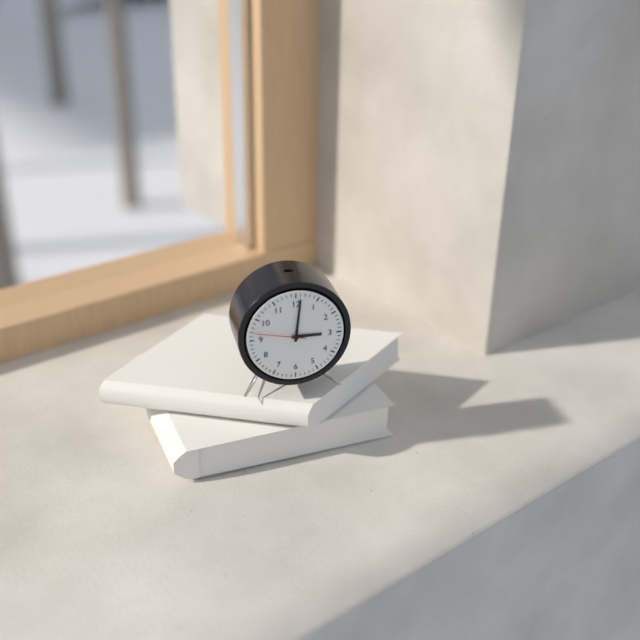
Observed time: 3:01
